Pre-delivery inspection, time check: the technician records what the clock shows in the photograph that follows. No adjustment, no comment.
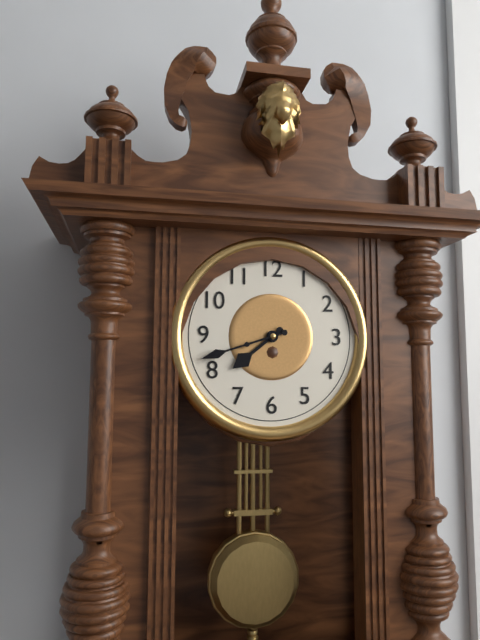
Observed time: 7:42
